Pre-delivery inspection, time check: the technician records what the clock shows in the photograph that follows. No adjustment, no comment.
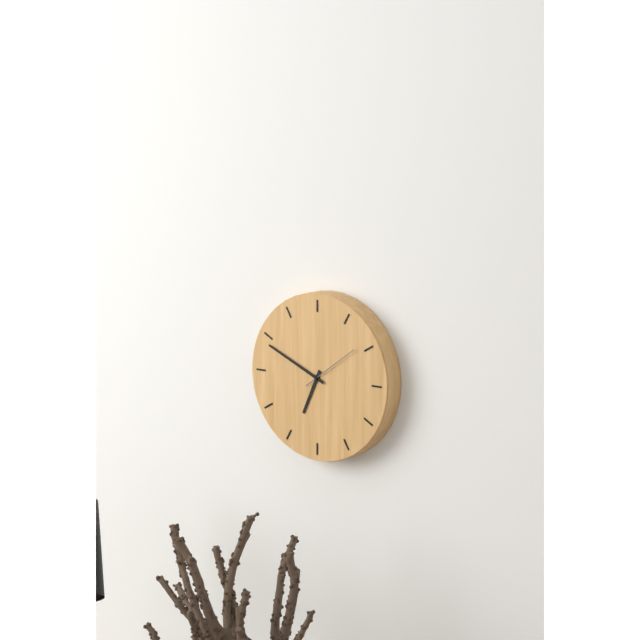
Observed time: 6:49:09
